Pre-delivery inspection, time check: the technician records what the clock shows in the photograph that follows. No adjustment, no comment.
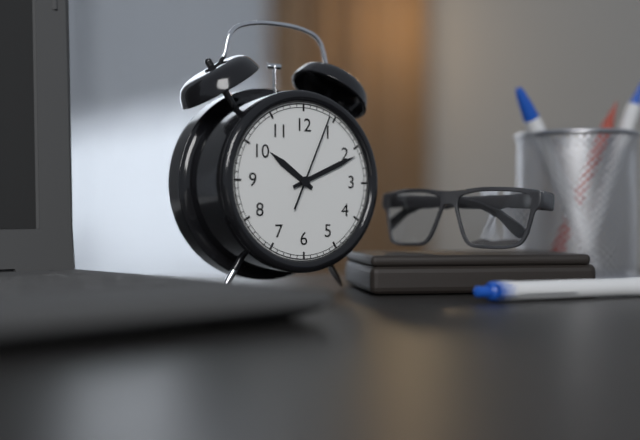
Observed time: 10:11:04
